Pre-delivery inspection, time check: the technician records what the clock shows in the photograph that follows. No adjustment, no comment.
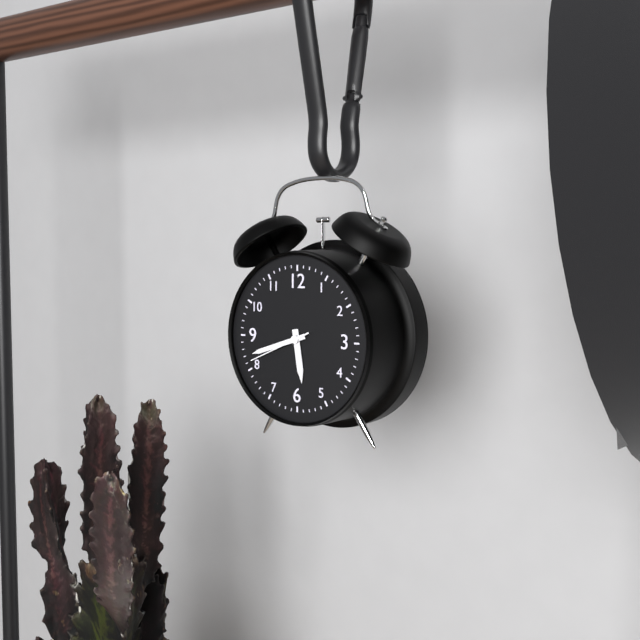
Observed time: 5:42:41
